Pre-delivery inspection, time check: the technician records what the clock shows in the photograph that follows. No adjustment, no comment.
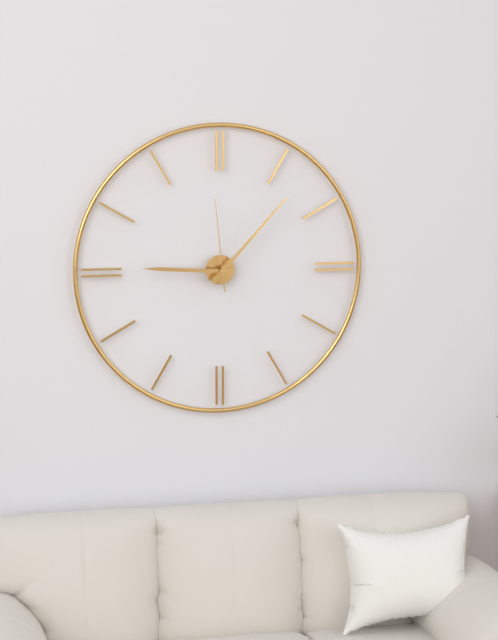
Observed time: 9:07:59
